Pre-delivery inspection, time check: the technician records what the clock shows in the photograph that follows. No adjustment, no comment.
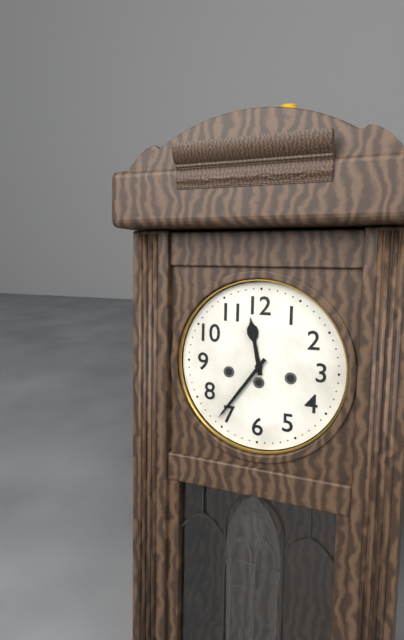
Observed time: 11:36
